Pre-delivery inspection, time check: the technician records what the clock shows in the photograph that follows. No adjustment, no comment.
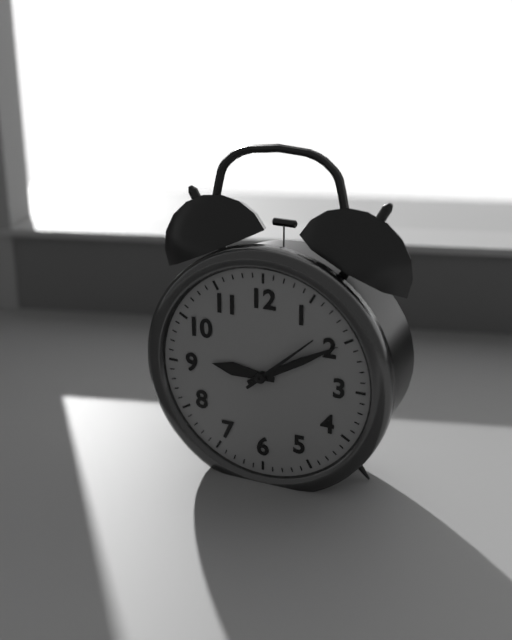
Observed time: 9:10:08
